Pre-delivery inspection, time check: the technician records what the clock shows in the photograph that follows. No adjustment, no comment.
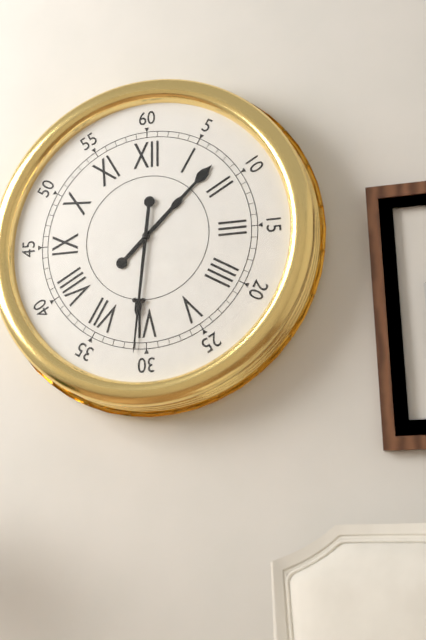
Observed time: 1:31
